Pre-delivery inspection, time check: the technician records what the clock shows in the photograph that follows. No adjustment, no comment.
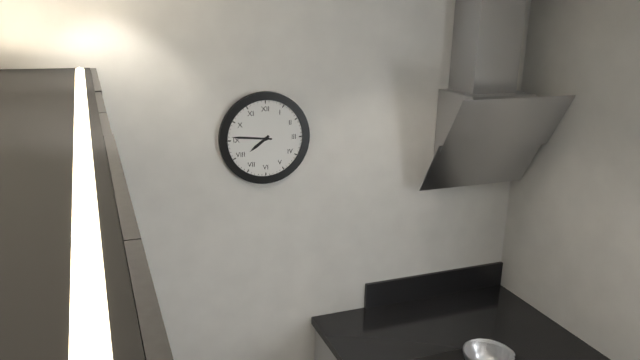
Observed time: 7:46
